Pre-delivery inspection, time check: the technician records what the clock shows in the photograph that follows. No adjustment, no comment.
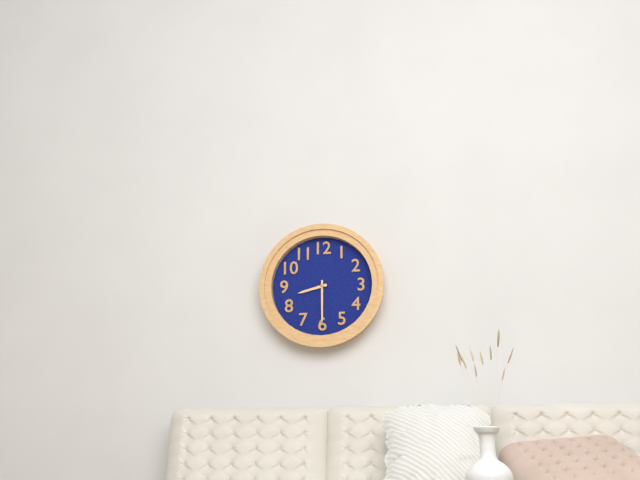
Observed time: 8:30
